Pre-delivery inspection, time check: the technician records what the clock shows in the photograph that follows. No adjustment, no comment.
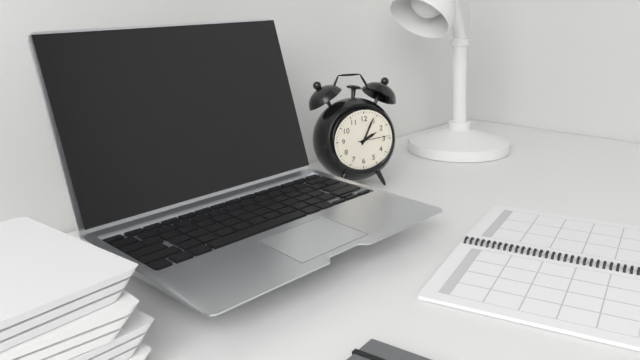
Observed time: 2:04
